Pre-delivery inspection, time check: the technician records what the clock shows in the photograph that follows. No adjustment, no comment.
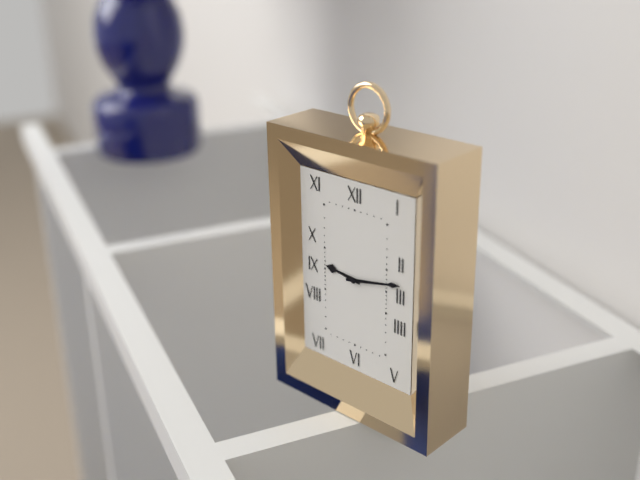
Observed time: 9:13
